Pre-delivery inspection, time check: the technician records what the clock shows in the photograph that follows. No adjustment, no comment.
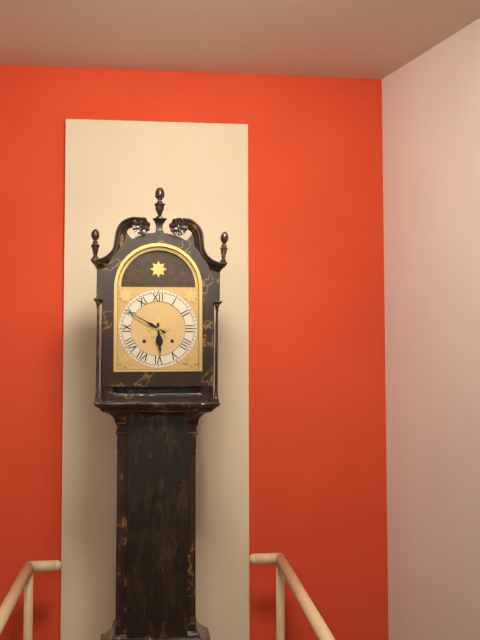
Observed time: 5:50
